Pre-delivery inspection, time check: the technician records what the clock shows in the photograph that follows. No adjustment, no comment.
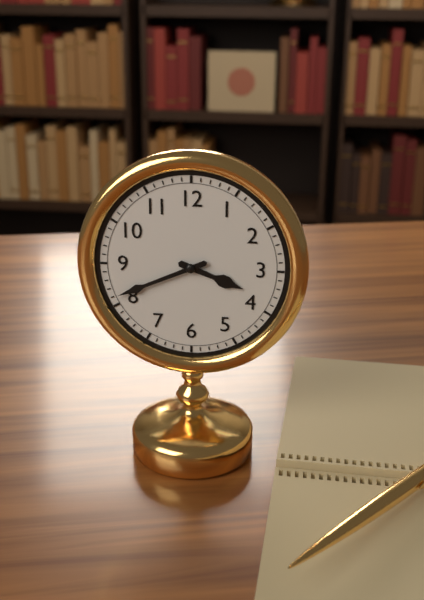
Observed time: 3:41
